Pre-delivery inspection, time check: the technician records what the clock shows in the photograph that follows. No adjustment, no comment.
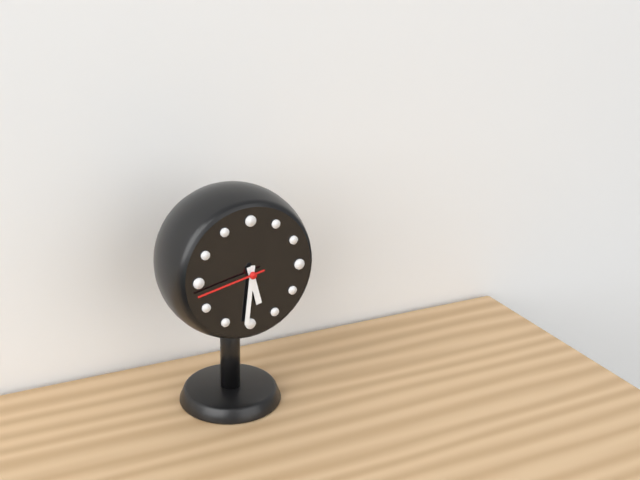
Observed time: 5:31:43
